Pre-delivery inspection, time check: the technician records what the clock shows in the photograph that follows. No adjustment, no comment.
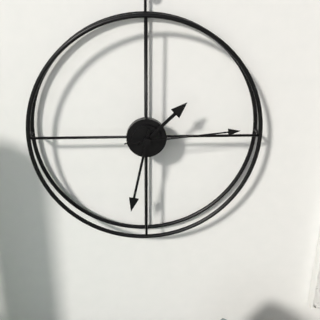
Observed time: 1:32:14
